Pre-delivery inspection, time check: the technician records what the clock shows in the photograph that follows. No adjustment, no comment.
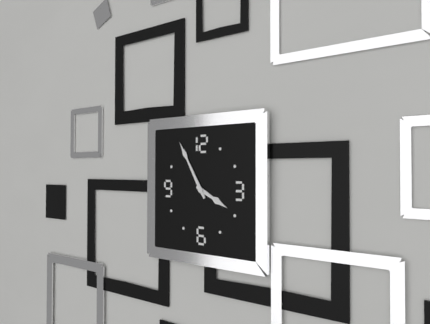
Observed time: 3:55
